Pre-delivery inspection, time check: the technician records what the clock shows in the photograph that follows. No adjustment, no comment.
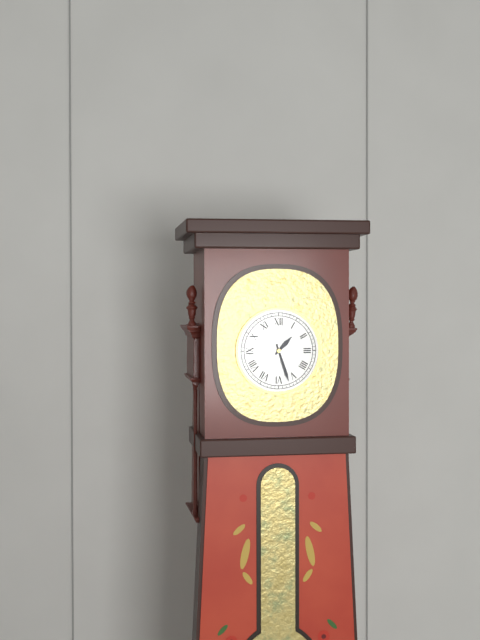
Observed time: 1:27
